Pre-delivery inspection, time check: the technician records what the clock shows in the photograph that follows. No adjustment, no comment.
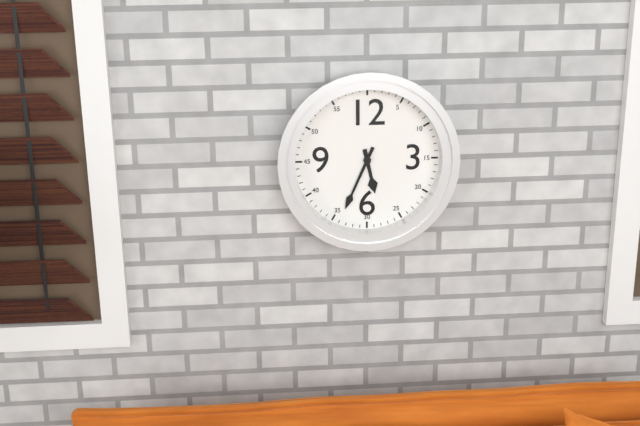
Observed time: 5:34
